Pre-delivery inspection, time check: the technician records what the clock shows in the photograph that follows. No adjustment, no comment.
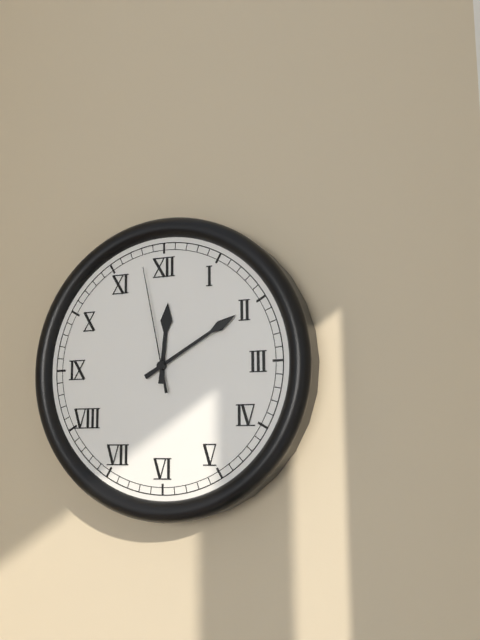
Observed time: 12:10:58
